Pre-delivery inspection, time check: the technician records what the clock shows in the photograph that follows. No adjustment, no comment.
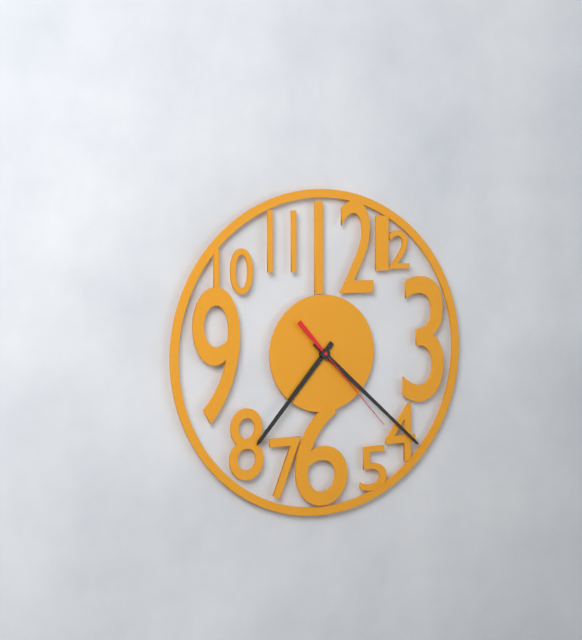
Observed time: 7:22:23
